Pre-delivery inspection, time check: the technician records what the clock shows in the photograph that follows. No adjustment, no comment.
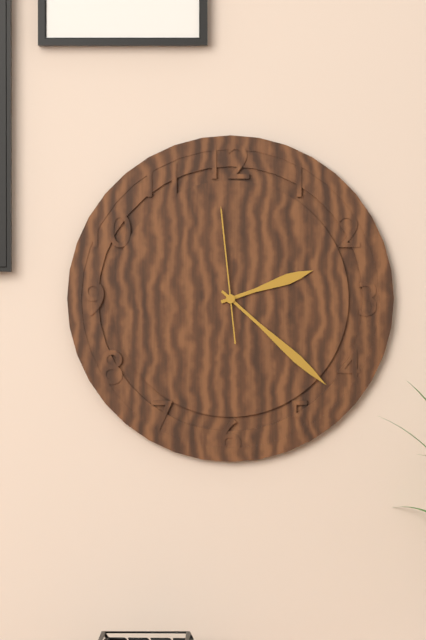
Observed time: 2:22:59
